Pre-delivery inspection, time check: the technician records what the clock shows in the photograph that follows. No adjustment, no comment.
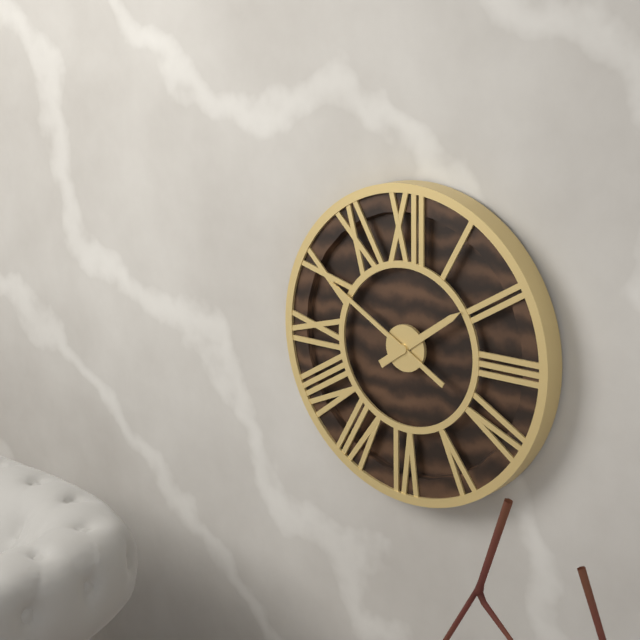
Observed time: 1:50
